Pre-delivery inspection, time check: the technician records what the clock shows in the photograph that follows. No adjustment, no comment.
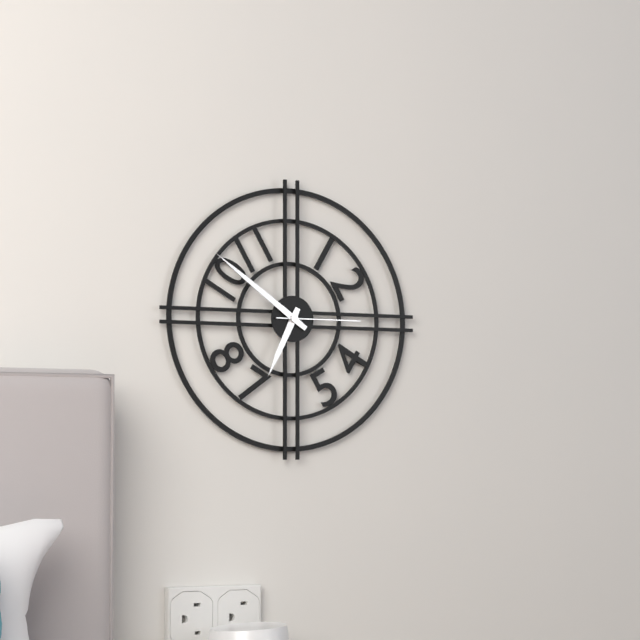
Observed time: 6:51:15
